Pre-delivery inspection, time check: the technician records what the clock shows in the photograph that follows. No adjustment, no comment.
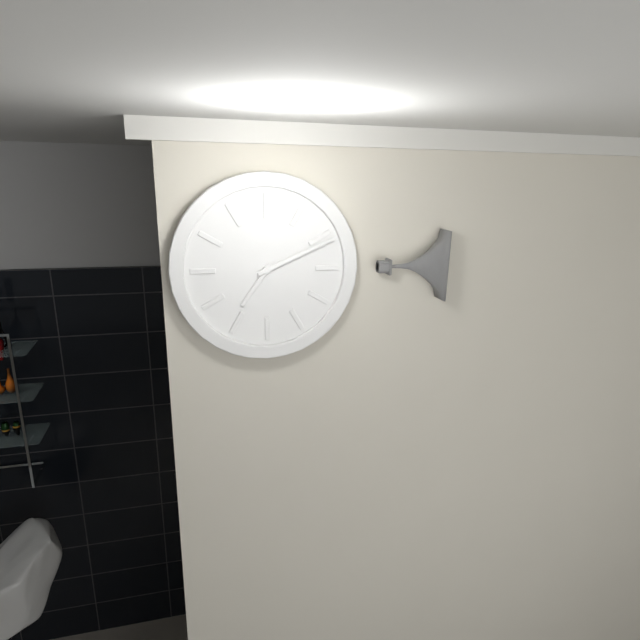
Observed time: 7:11
